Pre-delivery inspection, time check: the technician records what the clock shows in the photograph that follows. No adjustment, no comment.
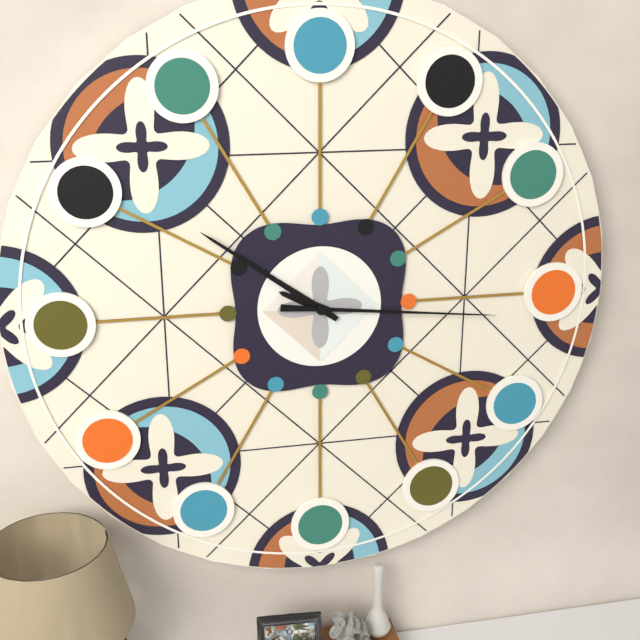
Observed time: 9:51:16
